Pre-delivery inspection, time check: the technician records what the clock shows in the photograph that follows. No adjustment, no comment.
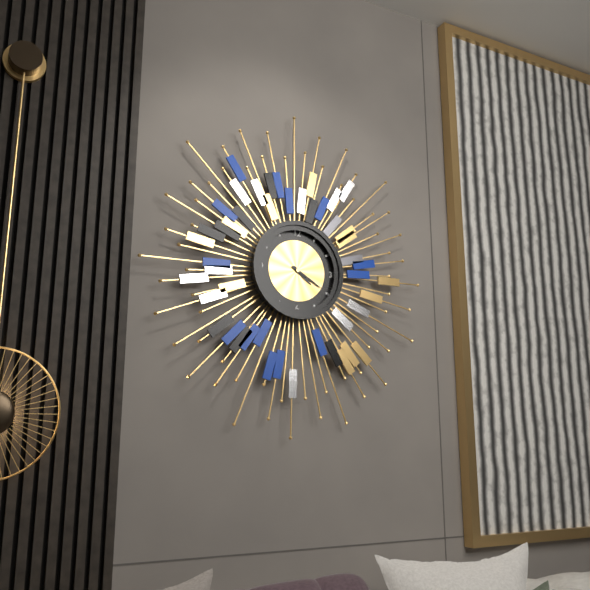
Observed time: 4:20
